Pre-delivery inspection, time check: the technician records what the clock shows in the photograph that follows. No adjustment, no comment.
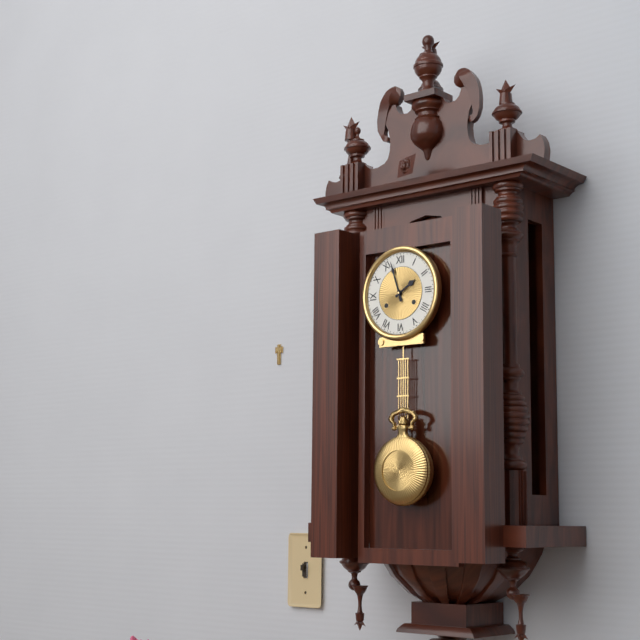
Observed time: 1:57
